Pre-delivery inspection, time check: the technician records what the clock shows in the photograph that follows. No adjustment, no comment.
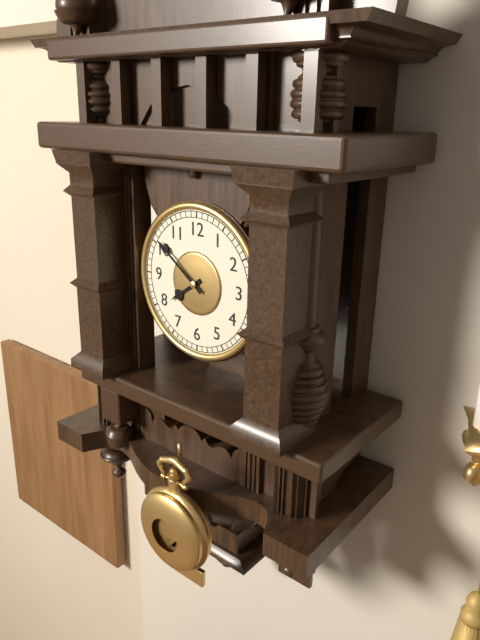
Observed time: 7:51
